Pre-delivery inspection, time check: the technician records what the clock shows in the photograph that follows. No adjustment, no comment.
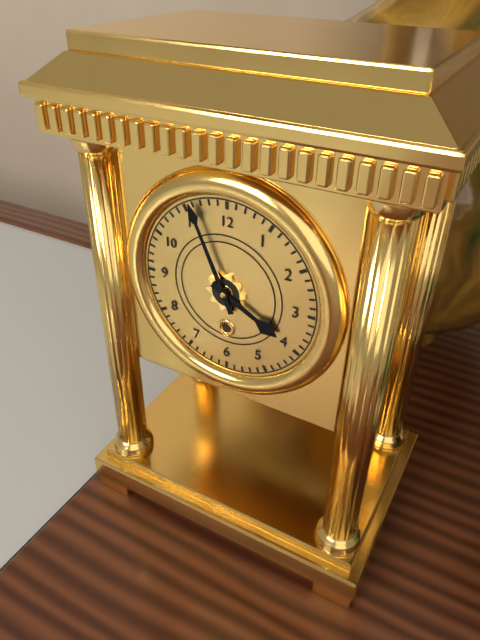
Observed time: 3:56
